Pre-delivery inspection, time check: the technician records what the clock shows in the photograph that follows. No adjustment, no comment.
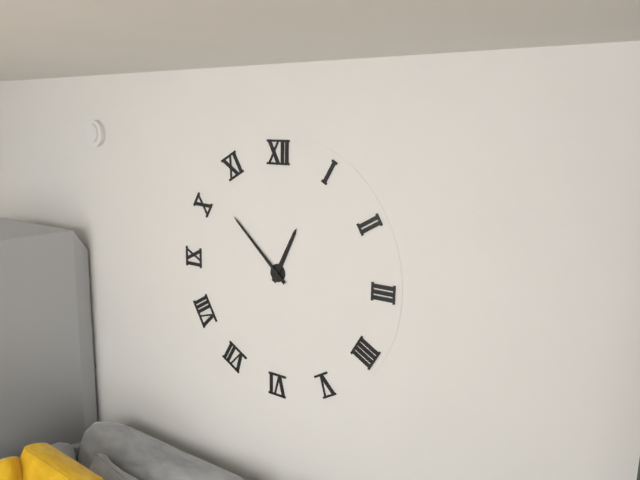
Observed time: 12:52
